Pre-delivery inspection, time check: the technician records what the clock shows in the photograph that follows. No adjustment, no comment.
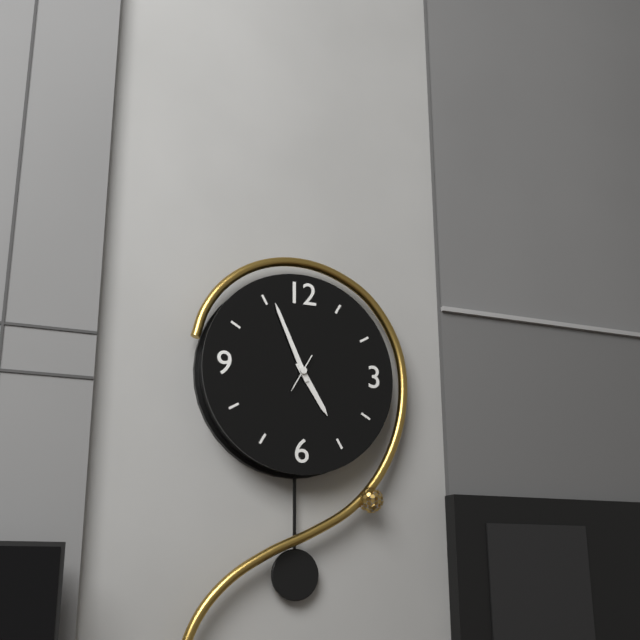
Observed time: 4:56
